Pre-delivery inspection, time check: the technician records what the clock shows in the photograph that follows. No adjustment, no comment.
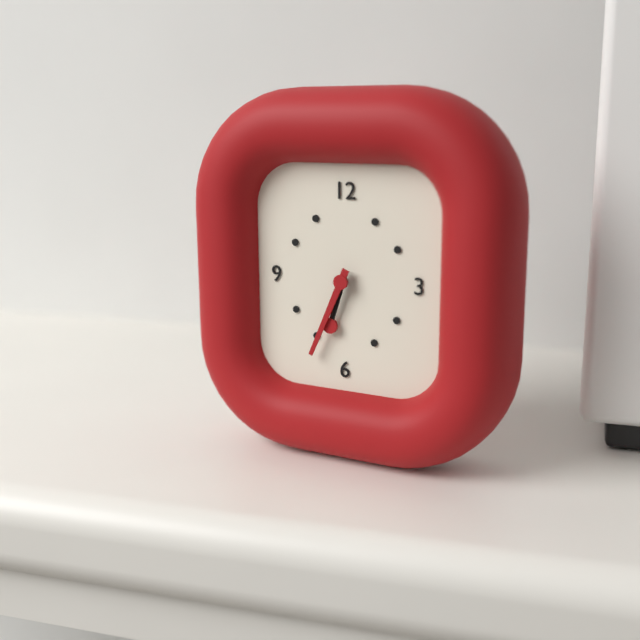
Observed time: 6:34
